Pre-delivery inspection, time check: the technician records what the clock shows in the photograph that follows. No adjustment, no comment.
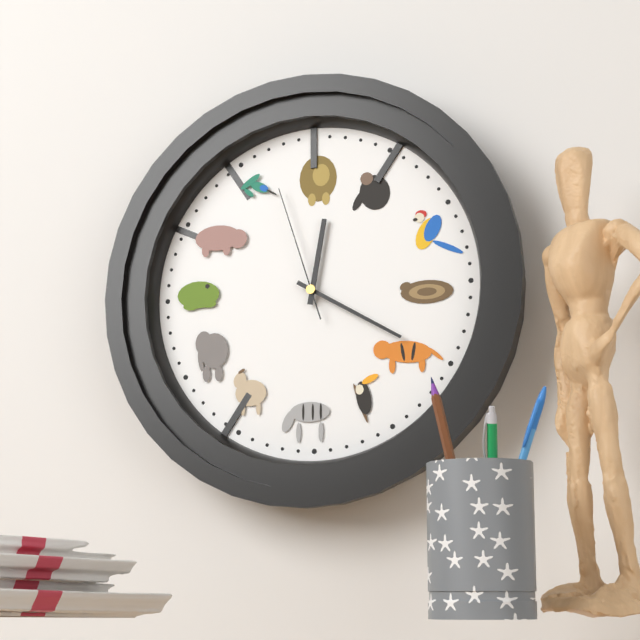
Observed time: 12:20:57
